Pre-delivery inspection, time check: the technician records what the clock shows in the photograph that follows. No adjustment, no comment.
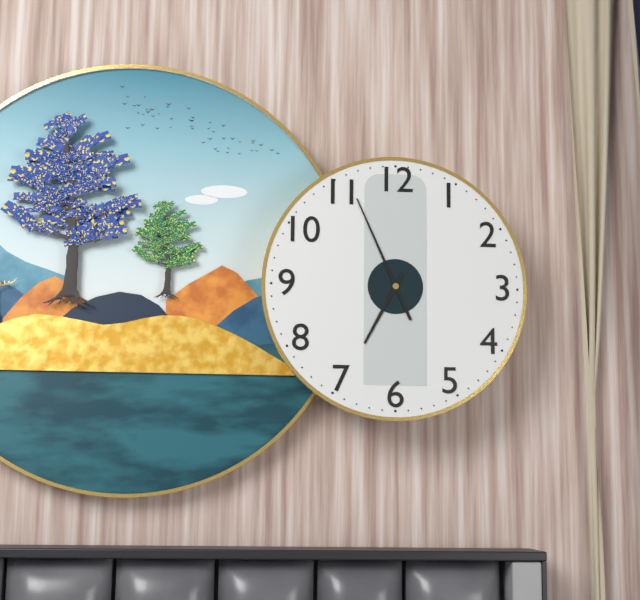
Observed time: 6:56
